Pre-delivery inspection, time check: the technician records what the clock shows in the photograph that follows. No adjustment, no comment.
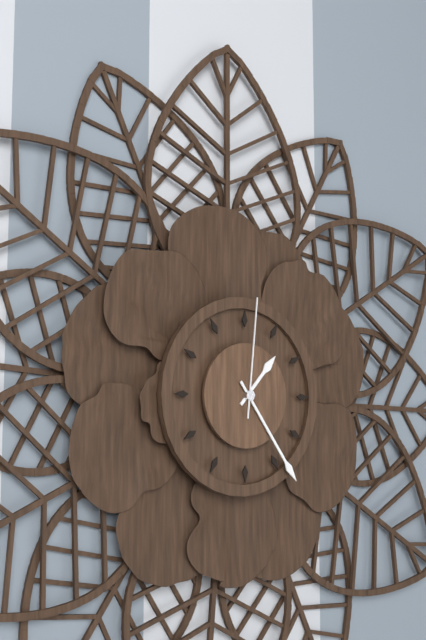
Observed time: 1:24:01
